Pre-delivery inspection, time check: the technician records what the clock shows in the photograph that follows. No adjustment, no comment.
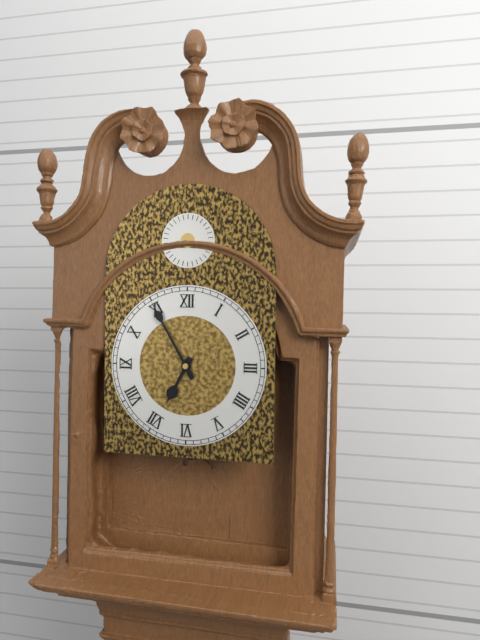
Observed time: 6:55
